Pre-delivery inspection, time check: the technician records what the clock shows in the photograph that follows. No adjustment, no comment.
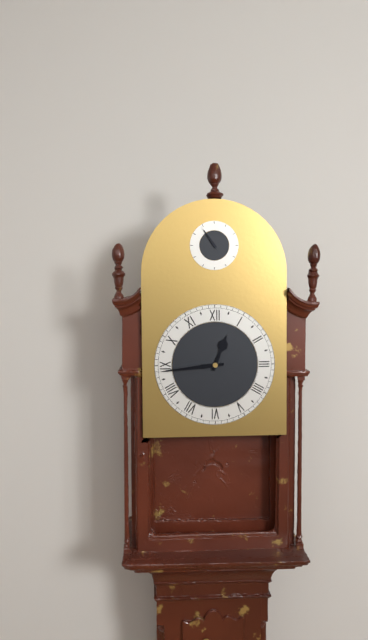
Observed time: 12:44
